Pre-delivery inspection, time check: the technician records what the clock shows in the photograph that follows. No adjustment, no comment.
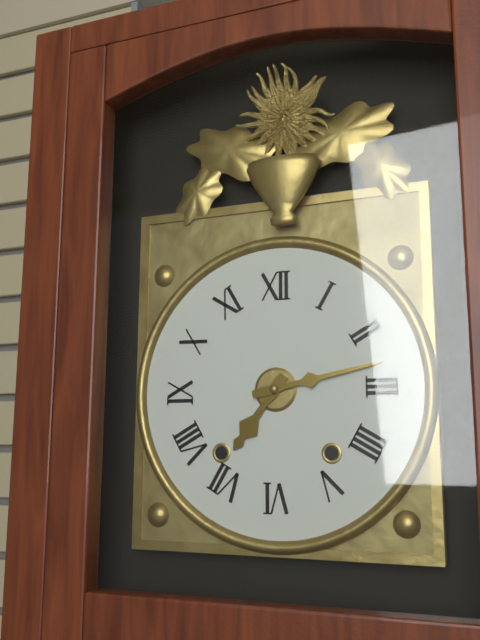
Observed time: 7:13
